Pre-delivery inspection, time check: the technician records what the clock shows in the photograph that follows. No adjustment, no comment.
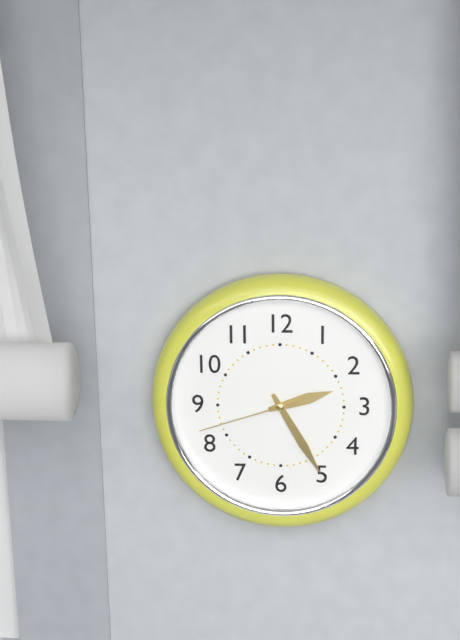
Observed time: 2:25:42
